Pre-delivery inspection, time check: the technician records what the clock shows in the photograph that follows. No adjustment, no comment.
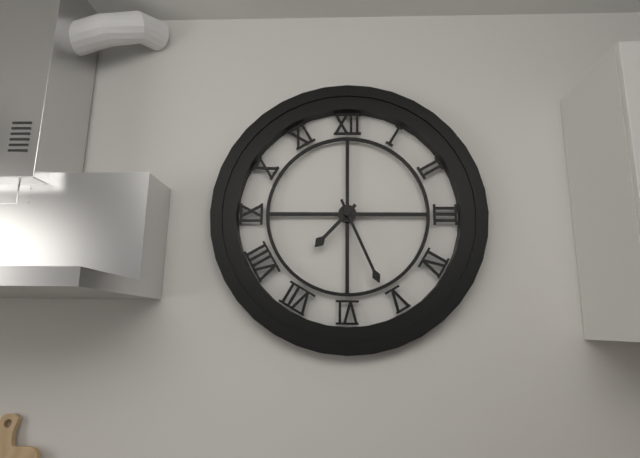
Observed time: 7:26
